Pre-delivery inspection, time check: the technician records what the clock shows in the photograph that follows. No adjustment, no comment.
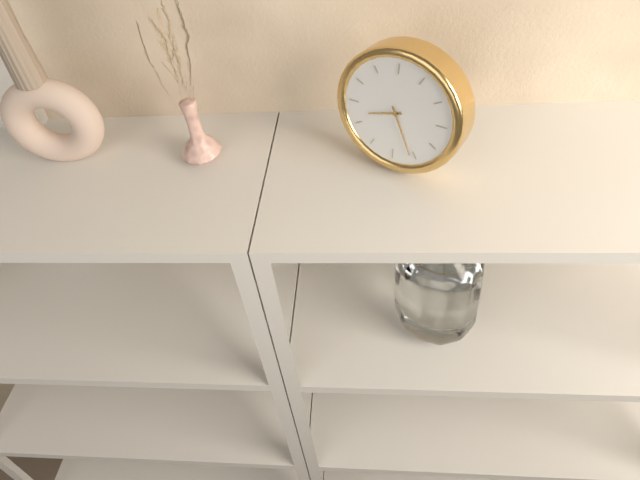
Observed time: 8:26
